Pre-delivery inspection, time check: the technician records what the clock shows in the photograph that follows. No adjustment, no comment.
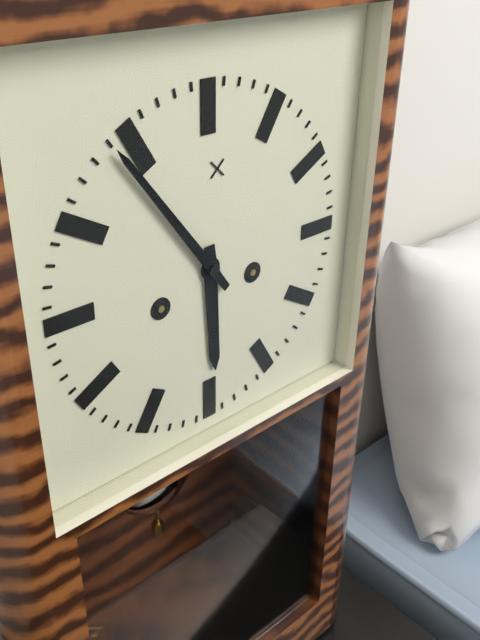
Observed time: 5:54
